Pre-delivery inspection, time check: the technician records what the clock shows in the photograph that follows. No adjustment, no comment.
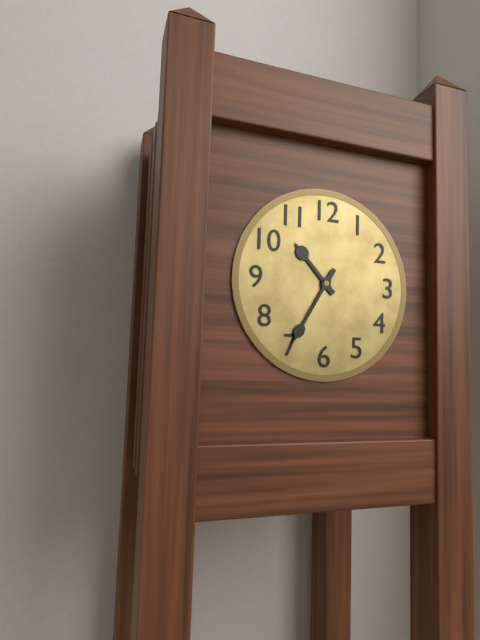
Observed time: 10:35
